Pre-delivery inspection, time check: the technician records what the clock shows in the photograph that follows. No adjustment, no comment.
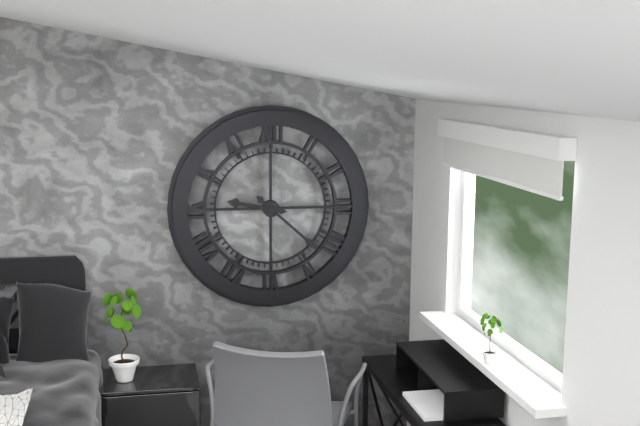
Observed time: 9:22
